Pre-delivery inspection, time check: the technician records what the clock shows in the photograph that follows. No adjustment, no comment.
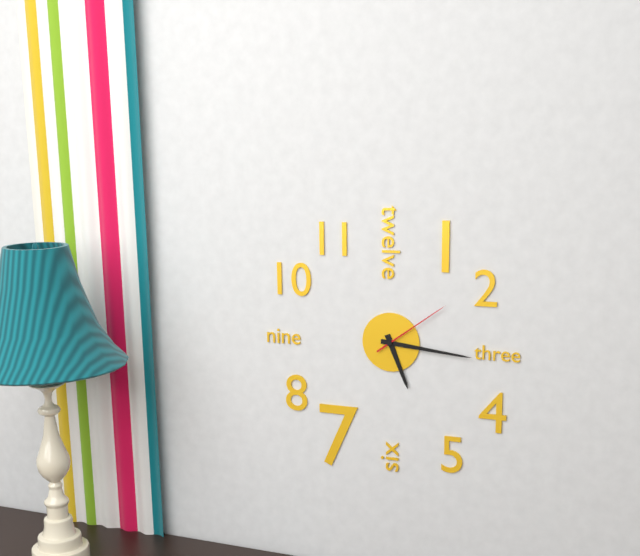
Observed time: 5:16:09
